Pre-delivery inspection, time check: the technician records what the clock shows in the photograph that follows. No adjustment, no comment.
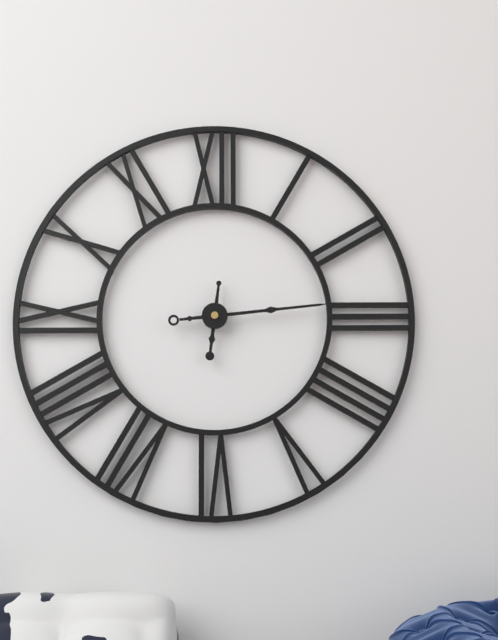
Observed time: 6:14
